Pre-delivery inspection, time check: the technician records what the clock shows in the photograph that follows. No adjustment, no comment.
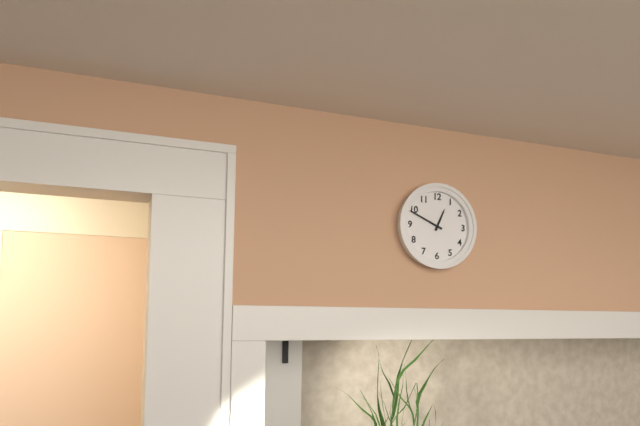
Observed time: 12:49
